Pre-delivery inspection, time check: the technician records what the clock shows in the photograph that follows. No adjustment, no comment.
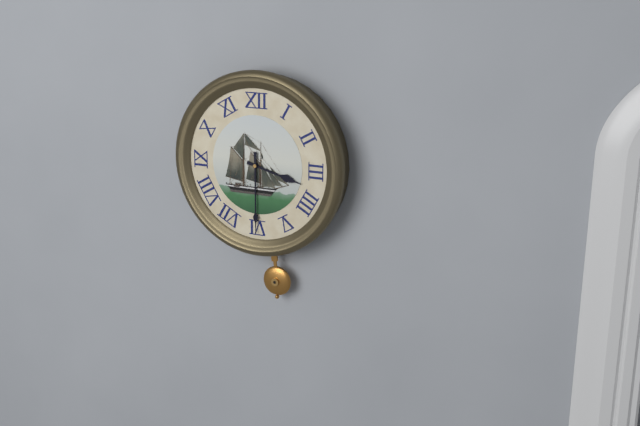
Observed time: 3:30
